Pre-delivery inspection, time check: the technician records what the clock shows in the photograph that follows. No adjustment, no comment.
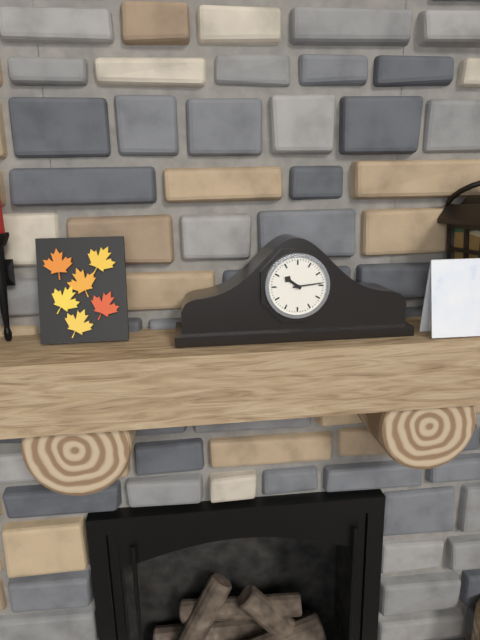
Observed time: 10:14
